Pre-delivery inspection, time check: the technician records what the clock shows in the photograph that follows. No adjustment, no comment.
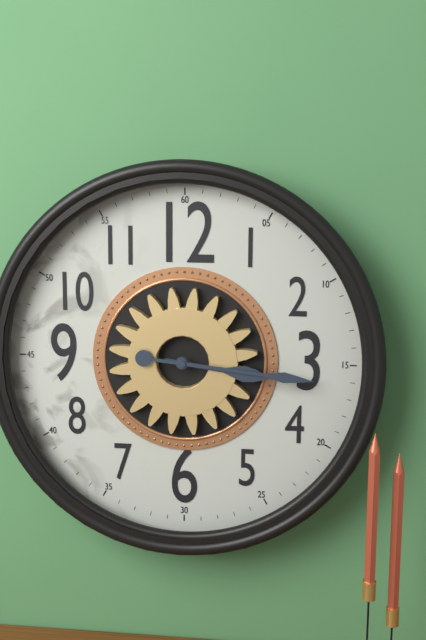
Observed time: 3:16
